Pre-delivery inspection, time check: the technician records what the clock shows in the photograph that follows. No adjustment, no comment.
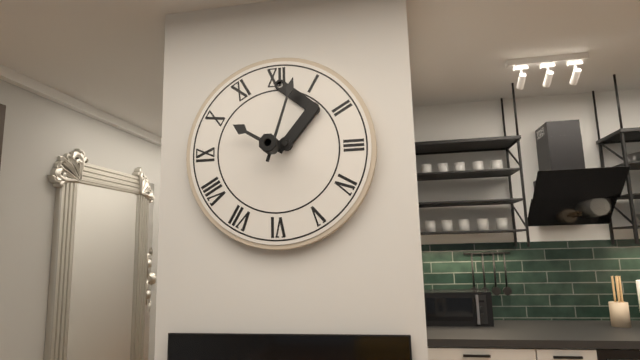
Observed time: 10:03
